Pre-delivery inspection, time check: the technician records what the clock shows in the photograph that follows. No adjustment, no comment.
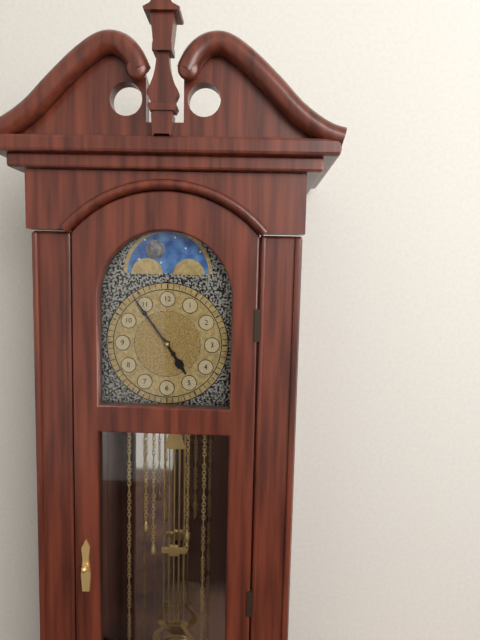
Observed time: 4:54
